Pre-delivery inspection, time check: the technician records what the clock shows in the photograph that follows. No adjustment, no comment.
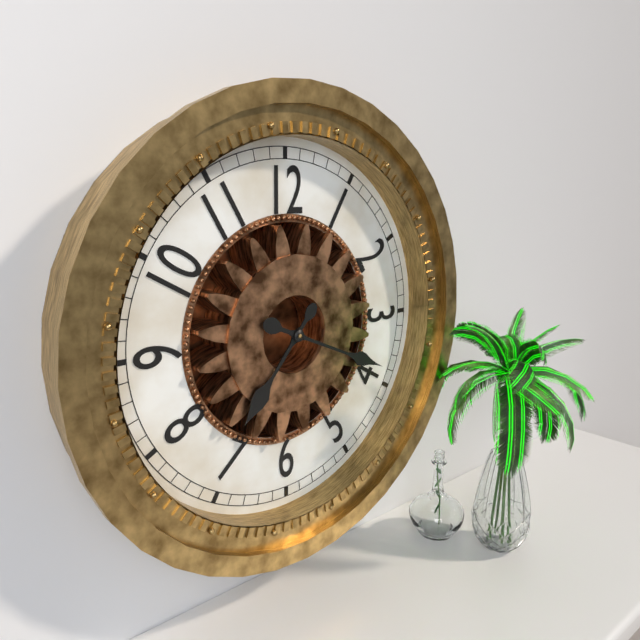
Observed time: 7:19
